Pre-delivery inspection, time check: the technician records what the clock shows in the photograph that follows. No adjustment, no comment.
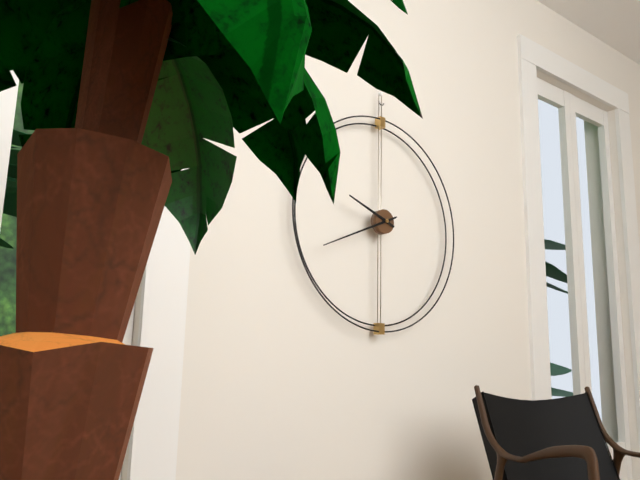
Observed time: 9:41
